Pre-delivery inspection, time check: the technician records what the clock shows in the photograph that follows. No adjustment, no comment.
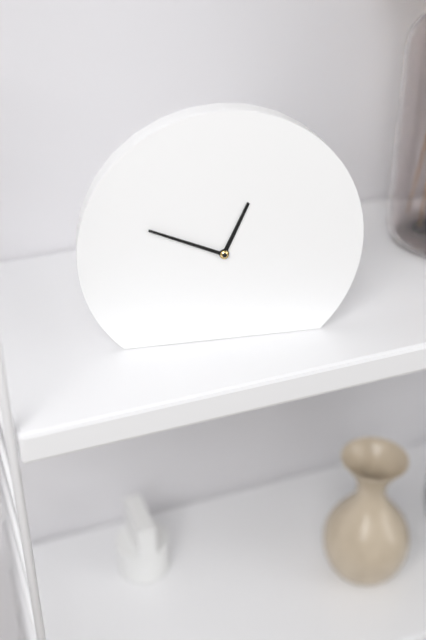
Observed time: 12:49
